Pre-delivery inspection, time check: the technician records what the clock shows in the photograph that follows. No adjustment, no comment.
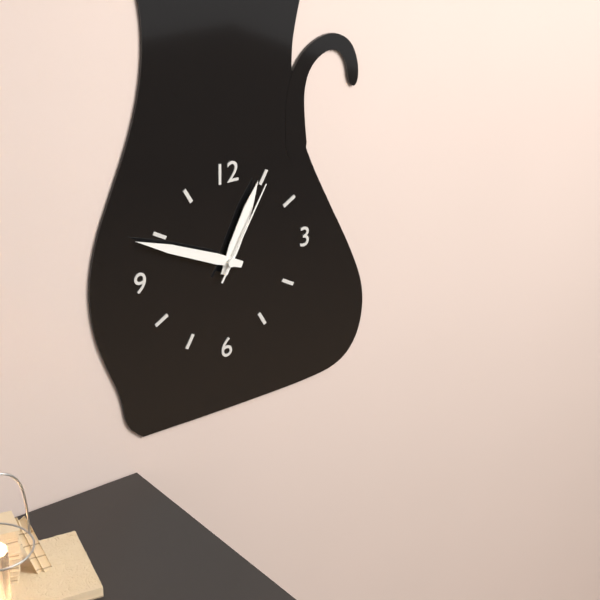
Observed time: 12:49:05
